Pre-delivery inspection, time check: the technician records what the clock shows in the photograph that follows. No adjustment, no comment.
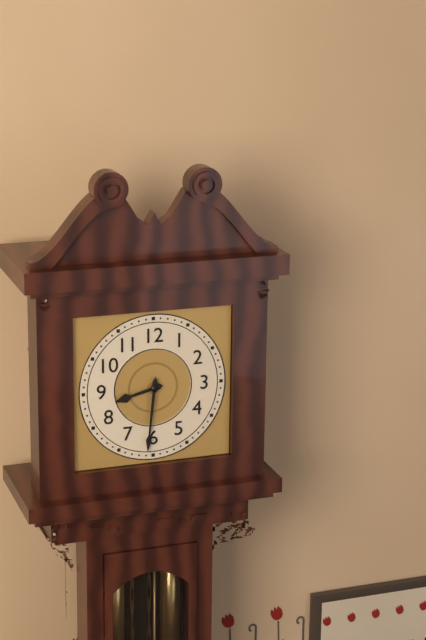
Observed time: 8:31
